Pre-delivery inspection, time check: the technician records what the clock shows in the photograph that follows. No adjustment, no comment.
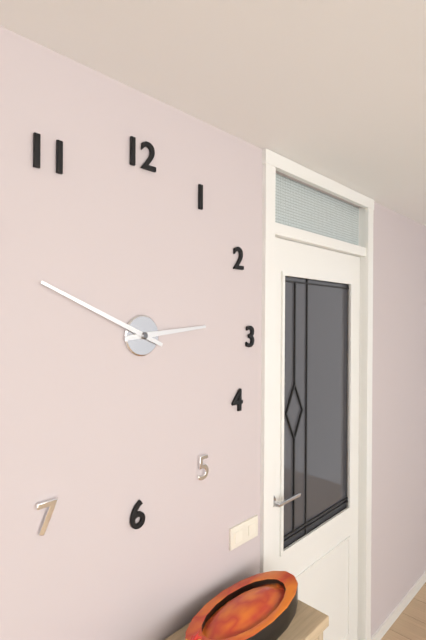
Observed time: 2:49
